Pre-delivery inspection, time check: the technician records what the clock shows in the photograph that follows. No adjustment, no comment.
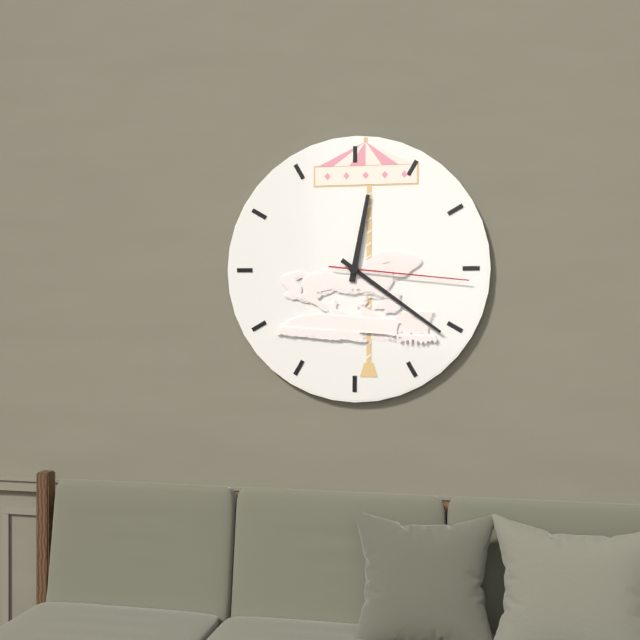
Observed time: 12:21:16
